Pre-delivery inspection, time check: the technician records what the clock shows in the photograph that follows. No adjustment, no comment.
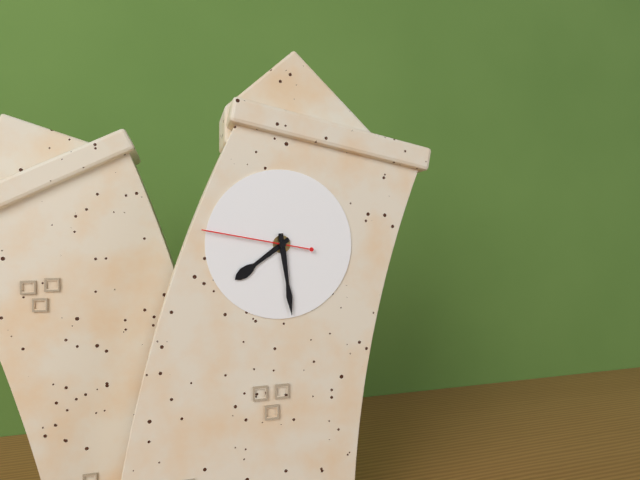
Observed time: 7:27:45
